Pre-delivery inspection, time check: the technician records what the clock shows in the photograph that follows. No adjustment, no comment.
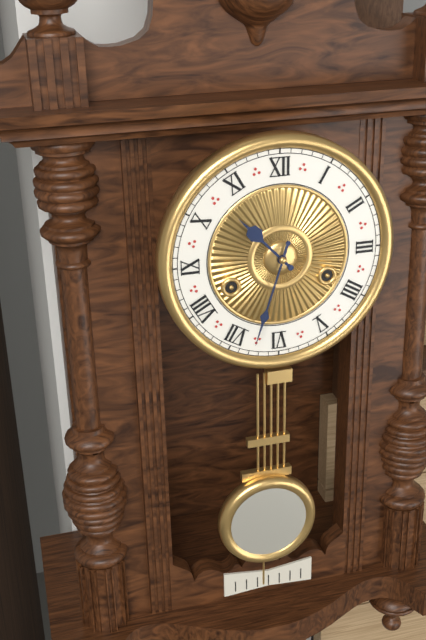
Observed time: 10:33
